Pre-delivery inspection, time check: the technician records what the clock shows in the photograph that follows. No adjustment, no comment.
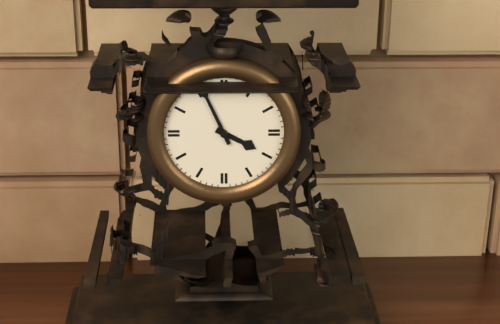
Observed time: 3:56
